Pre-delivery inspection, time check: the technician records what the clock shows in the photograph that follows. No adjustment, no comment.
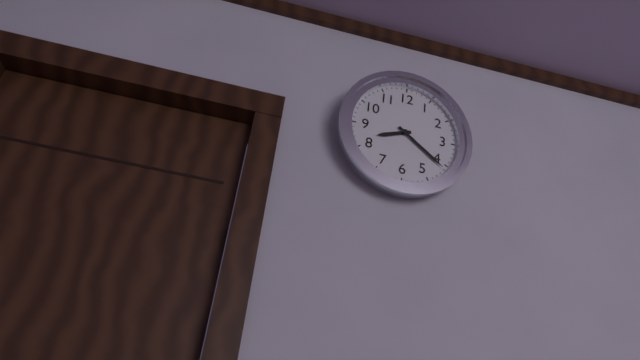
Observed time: 8:21
